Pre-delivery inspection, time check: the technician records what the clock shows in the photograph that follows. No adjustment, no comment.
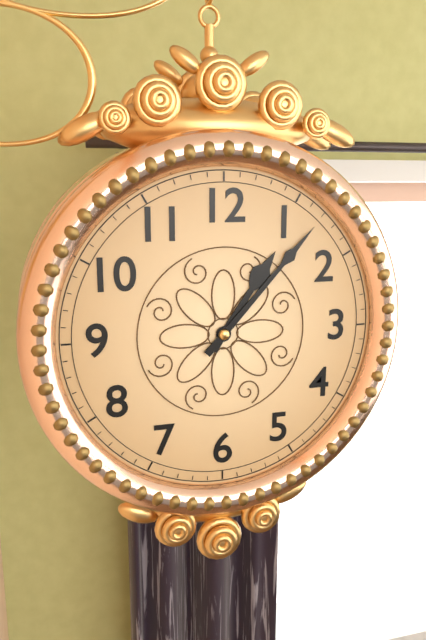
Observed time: 1:07
